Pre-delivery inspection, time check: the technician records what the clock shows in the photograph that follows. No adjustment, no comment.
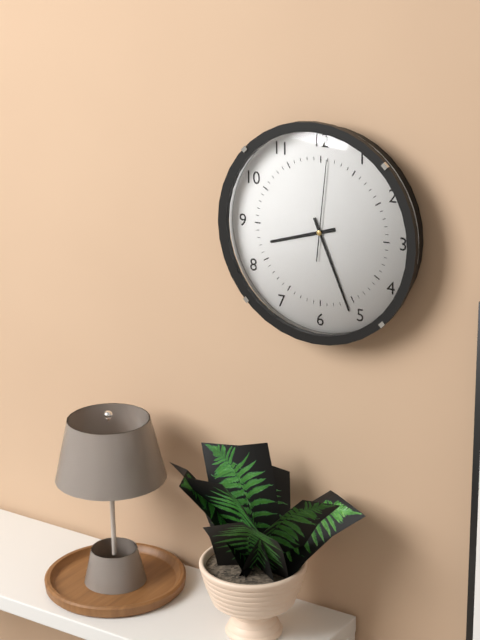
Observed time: 8:26:01
